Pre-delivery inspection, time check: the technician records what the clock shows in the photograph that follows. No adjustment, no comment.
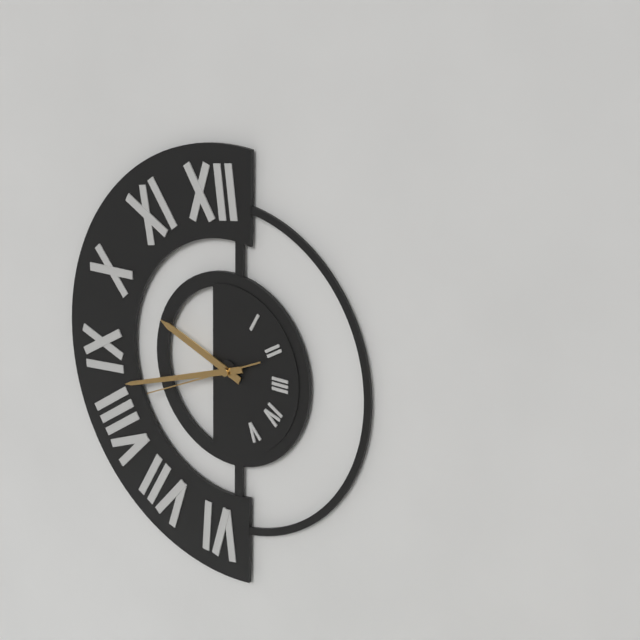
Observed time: 9:42:41
